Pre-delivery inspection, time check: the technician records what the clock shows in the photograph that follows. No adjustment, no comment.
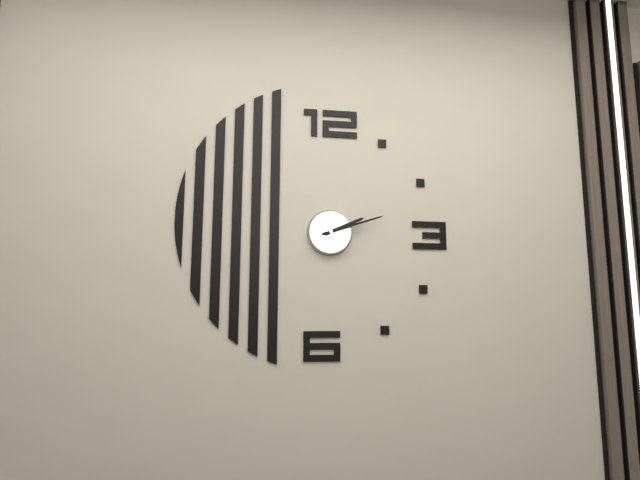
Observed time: 2:12
